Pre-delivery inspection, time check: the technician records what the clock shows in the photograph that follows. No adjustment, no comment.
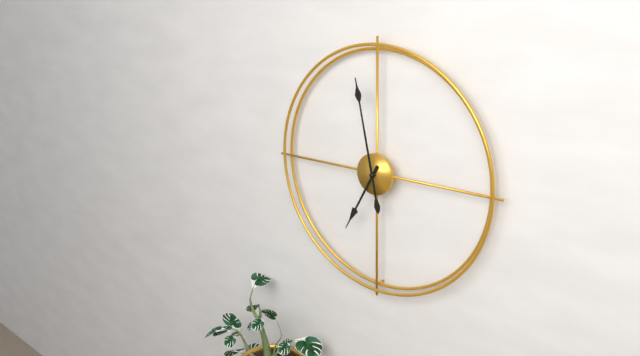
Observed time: 6:58
